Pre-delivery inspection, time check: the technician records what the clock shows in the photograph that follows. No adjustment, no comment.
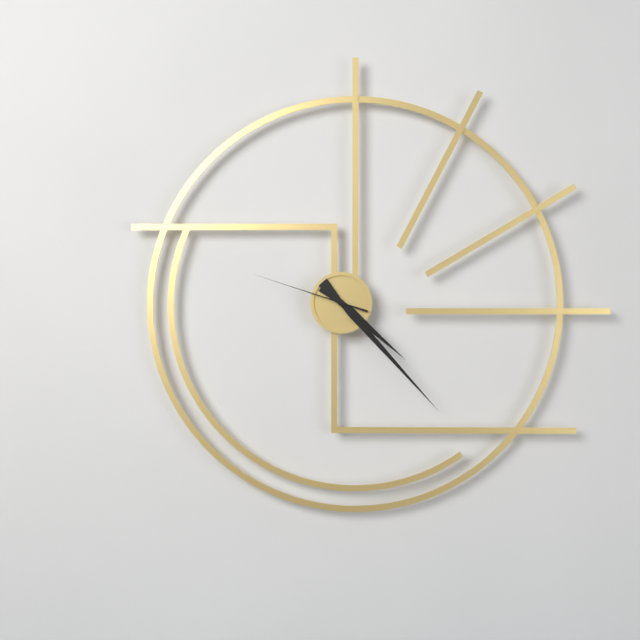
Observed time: 4:23:48
